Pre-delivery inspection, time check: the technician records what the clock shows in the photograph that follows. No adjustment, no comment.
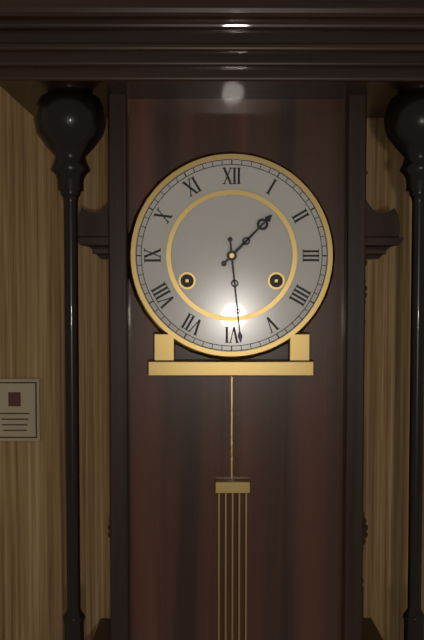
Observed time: 1:29
